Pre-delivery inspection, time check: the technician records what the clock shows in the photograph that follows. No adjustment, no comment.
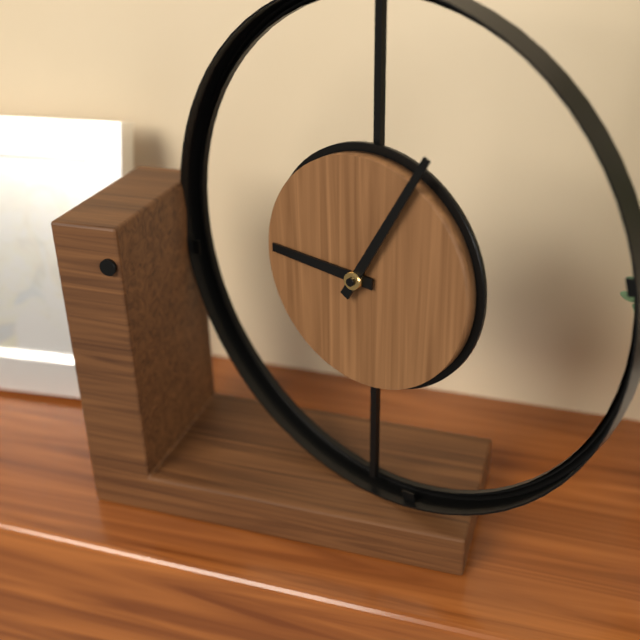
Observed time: 9:05
